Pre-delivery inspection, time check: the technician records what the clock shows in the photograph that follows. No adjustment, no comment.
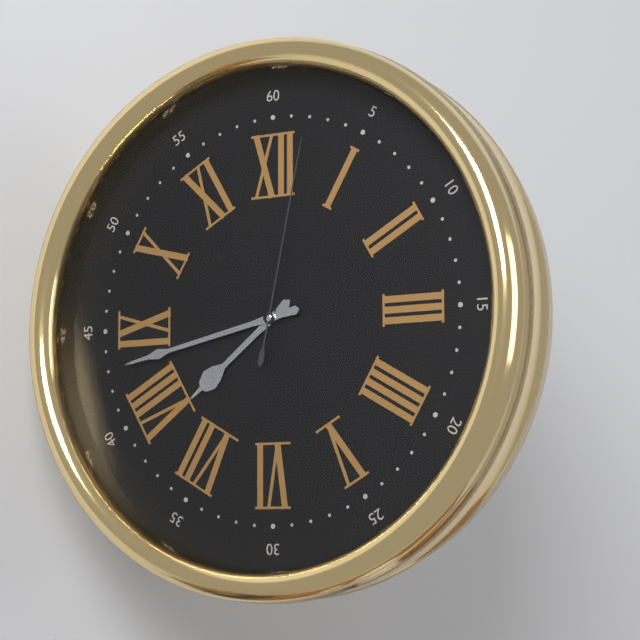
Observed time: 7:43:02
